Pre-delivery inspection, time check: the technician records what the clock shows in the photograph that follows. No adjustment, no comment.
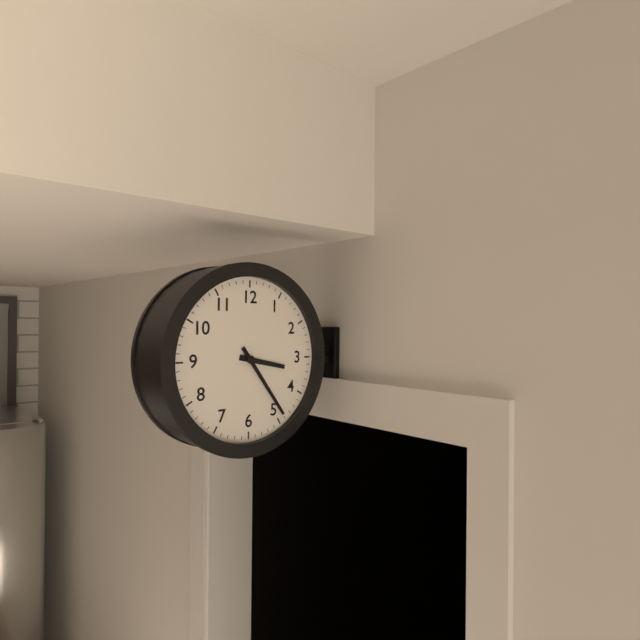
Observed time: 3:24
